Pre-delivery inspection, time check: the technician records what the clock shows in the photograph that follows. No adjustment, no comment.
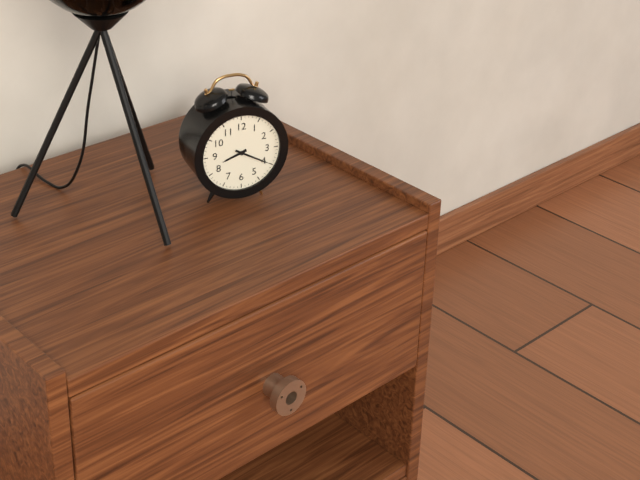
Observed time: 8:20
